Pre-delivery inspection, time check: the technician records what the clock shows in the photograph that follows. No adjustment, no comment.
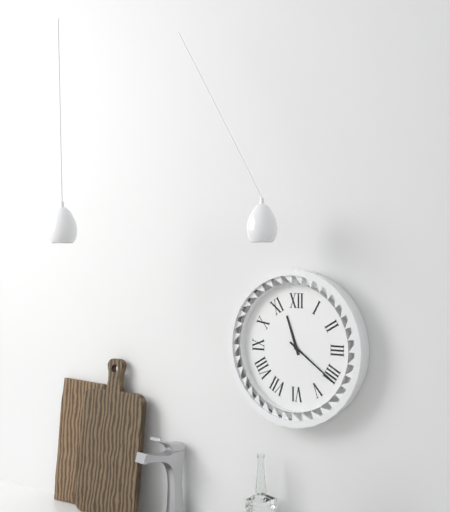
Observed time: 11:21
